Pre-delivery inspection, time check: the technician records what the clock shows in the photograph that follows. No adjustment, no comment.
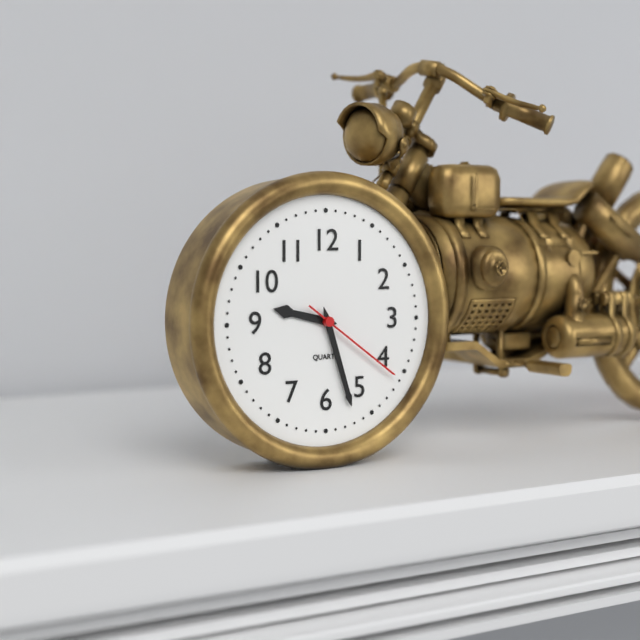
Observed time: 9:27:21
